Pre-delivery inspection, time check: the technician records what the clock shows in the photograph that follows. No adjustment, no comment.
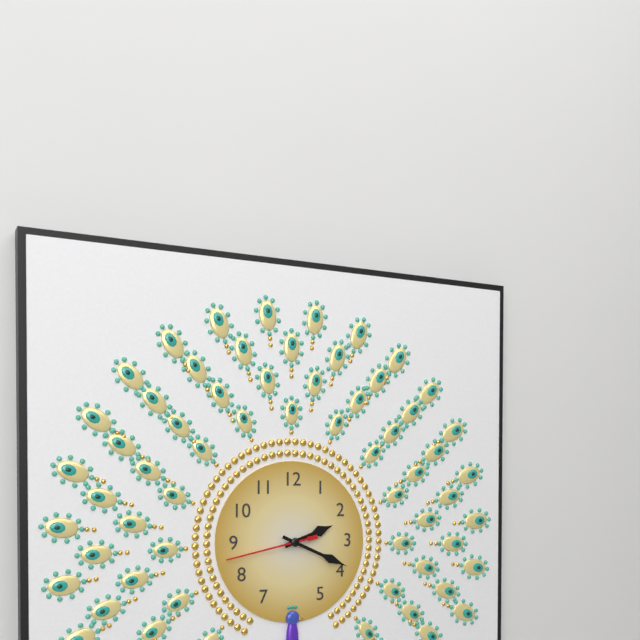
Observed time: 2:19:43
